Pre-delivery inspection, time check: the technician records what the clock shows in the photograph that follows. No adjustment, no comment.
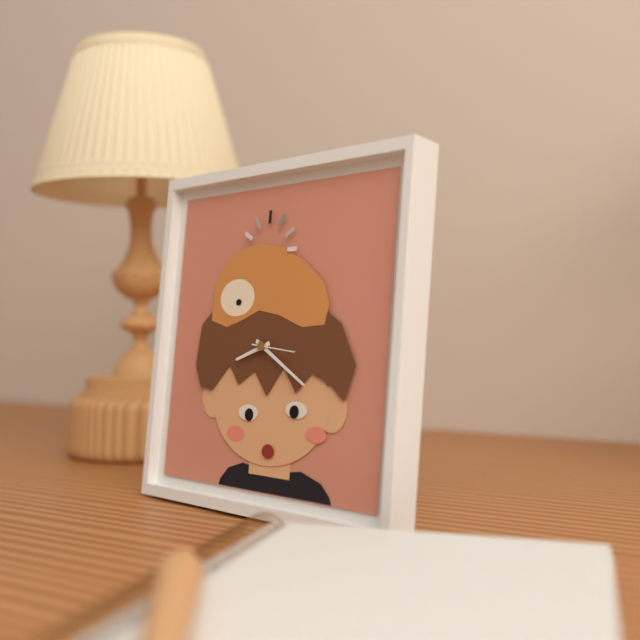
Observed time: 8:20
